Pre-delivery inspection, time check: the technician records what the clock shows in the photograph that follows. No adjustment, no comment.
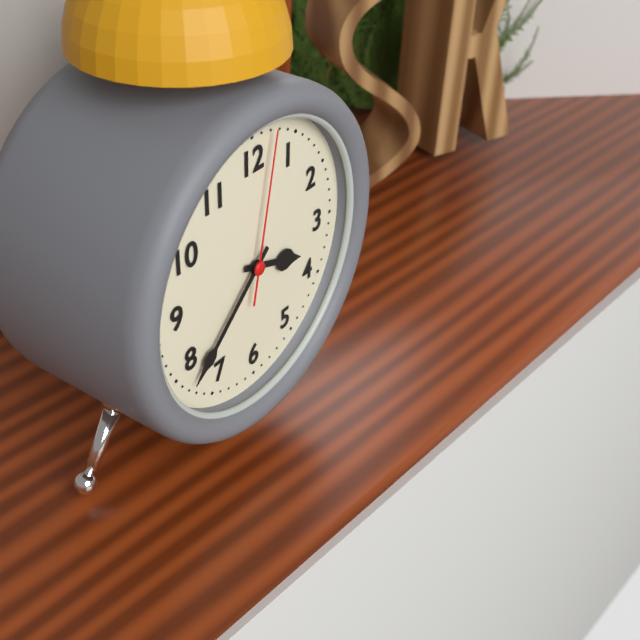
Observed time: 3:38:02
